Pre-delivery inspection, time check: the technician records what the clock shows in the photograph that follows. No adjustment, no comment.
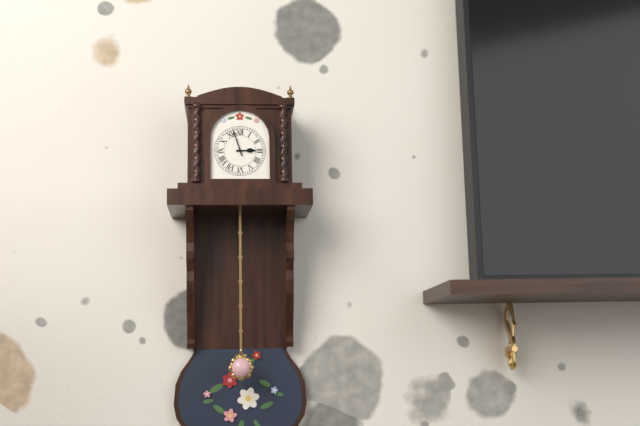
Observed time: 2:57
